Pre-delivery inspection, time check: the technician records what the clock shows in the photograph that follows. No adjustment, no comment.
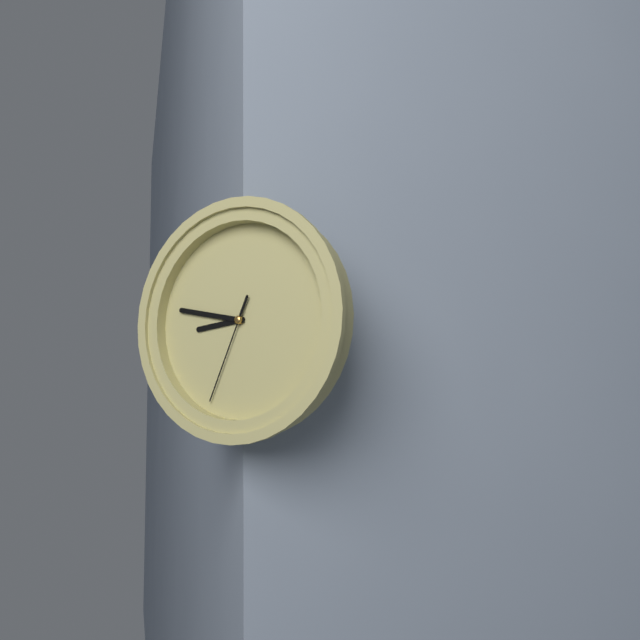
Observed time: 8:47:34
